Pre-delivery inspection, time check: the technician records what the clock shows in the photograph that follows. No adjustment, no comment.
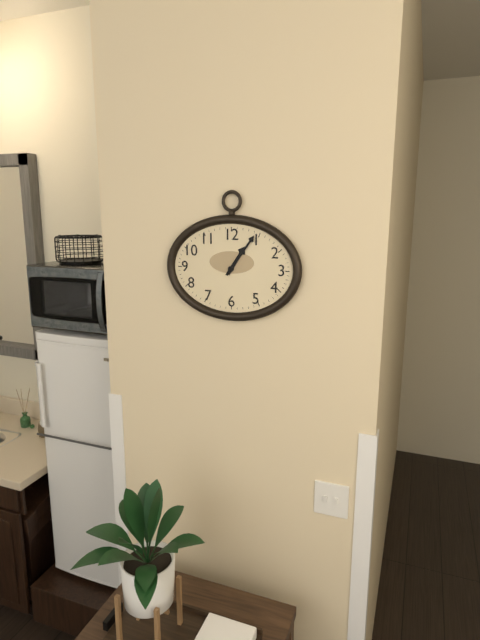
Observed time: 1:06
